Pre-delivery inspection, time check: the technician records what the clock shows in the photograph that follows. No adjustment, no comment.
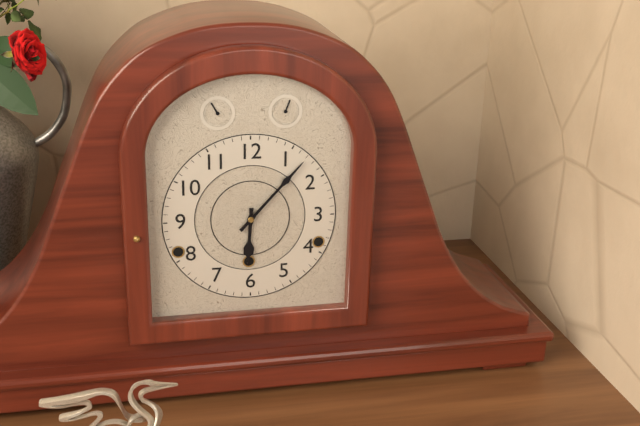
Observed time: 6:07
